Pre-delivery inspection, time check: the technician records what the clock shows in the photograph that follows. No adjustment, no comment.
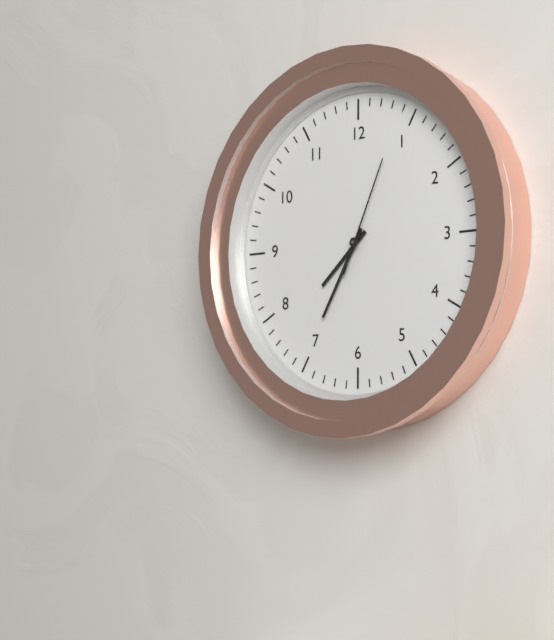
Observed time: 7:35:04
